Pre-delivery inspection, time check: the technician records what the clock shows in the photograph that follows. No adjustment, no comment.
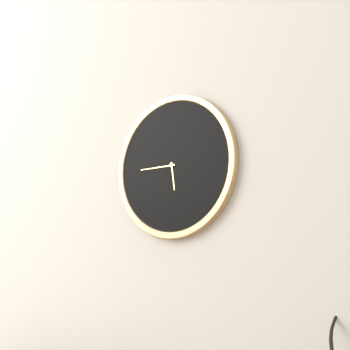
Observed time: 5:45
